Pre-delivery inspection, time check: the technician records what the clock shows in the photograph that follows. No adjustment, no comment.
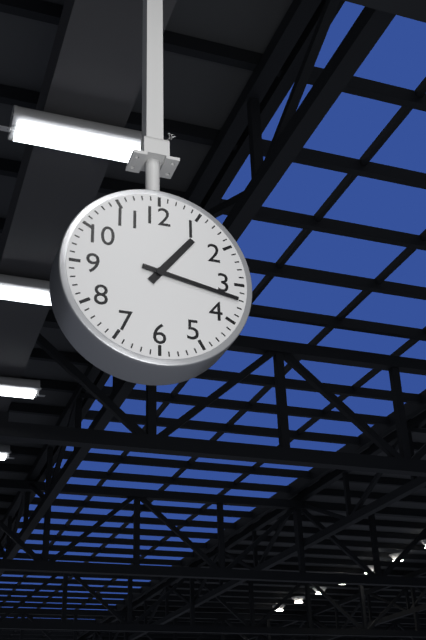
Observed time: 1:17
